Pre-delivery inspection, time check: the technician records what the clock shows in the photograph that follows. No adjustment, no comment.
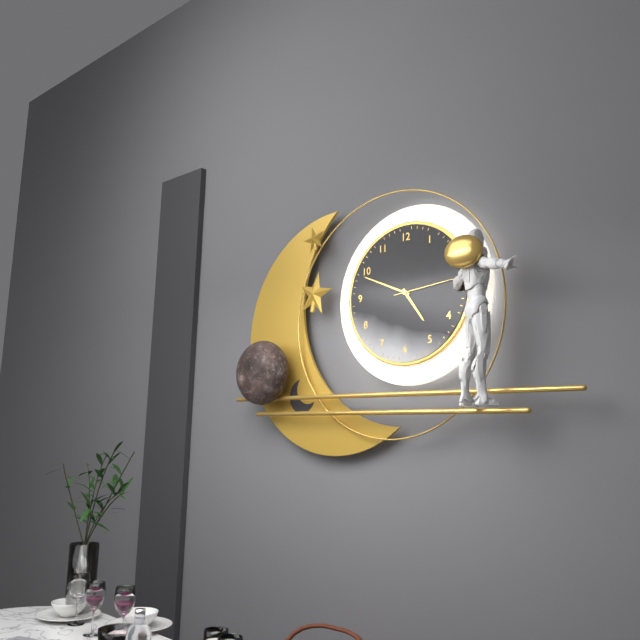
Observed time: 4:49:14
